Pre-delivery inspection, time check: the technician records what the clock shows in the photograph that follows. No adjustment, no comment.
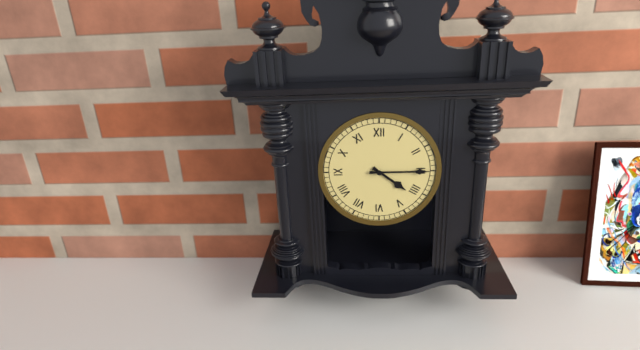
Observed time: 4:15
